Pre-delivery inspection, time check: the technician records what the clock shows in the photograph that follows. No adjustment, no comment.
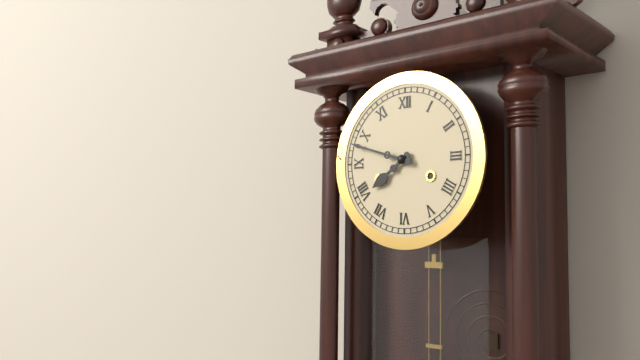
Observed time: 7:48
